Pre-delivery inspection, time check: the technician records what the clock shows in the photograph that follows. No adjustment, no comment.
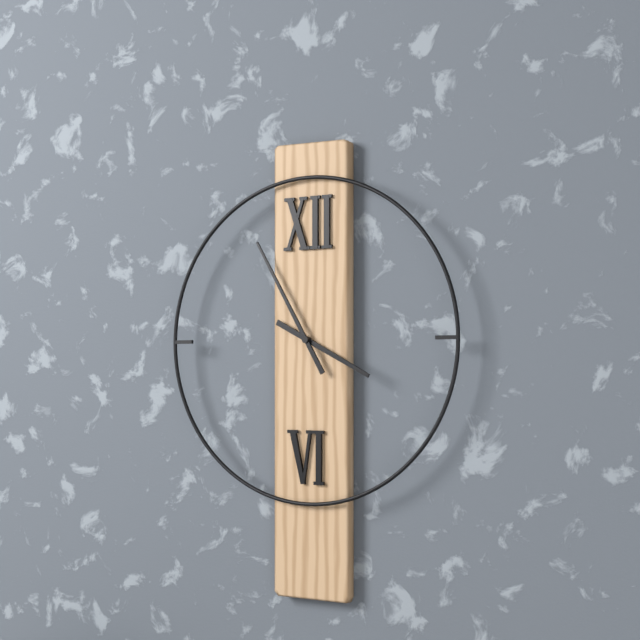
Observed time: 3:55
